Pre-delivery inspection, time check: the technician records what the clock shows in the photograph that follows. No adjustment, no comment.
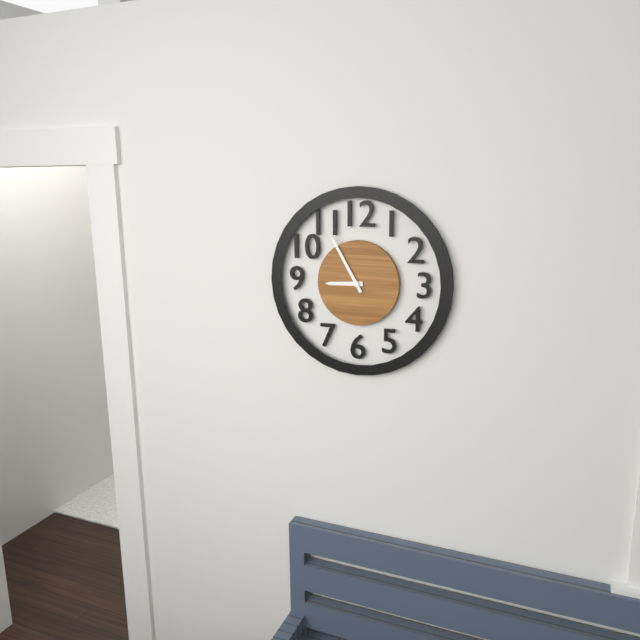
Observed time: 8:55
